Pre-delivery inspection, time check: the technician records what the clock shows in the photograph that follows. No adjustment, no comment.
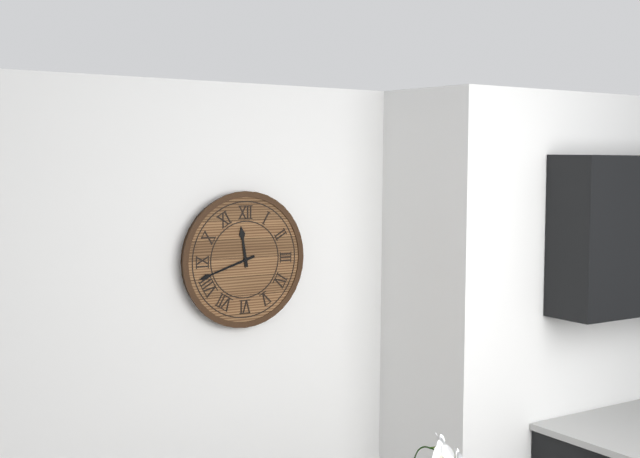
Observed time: 11:42
